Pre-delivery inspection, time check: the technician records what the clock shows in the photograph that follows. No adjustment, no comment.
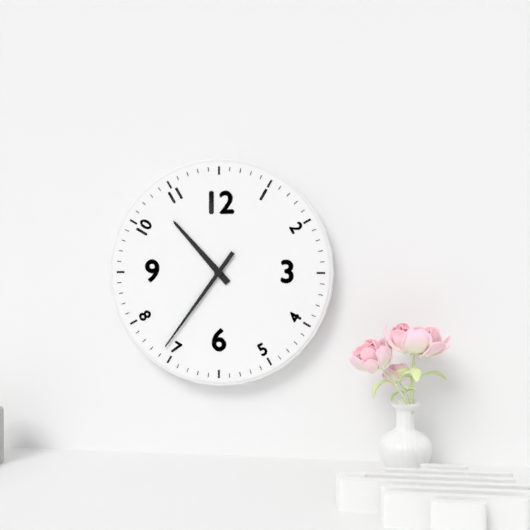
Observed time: 10:36
